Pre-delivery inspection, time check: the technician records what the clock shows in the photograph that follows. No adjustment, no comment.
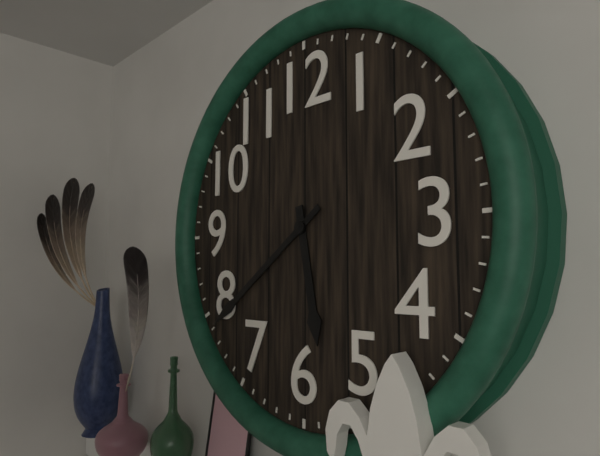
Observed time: 5:39
